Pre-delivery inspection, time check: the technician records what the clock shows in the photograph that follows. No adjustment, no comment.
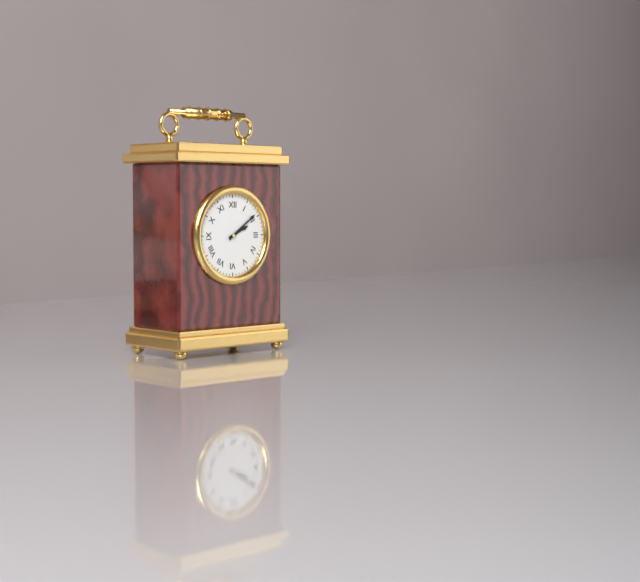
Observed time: 2:09
